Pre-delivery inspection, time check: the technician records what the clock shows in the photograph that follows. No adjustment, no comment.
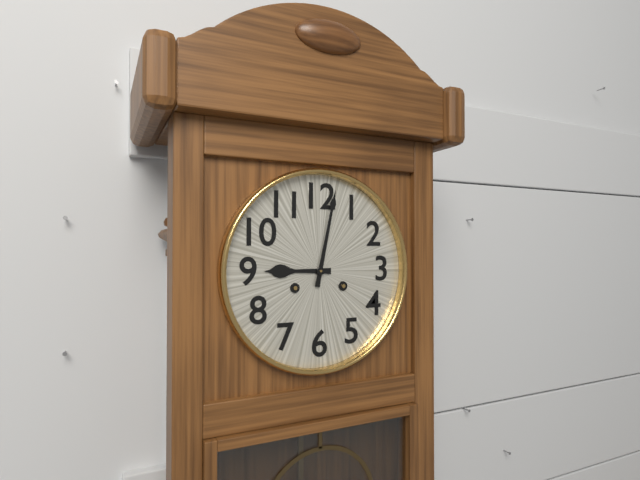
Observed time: 9:02
